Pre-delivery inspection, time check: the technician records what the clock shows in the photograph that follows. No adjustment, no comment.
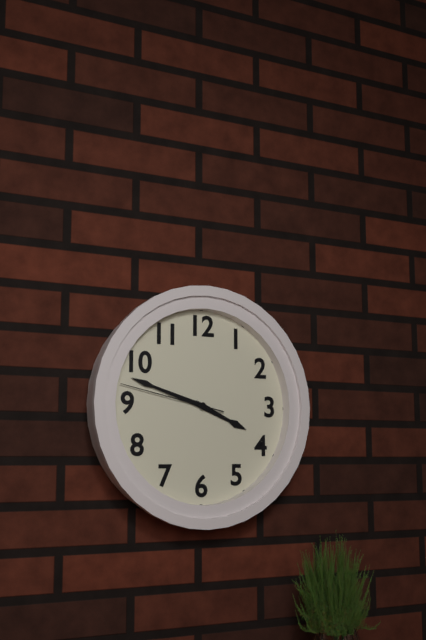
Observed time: 3:48:47
